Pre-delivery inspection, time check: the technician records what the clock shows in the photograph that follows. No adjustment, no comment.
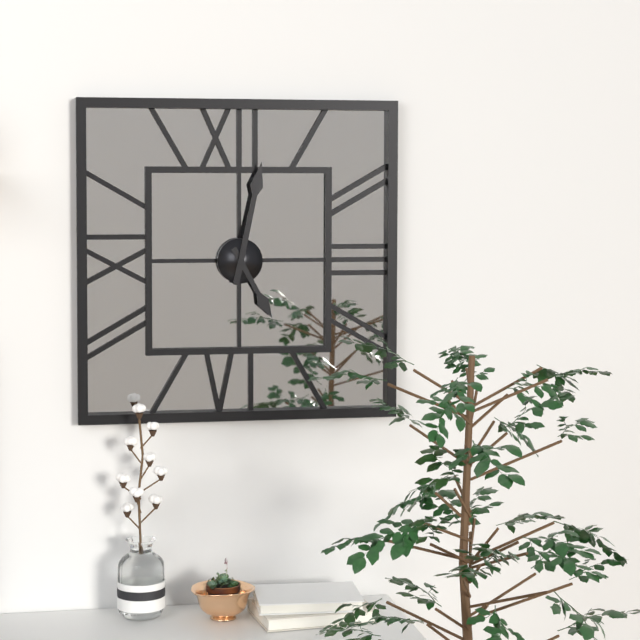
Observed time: 5:02
